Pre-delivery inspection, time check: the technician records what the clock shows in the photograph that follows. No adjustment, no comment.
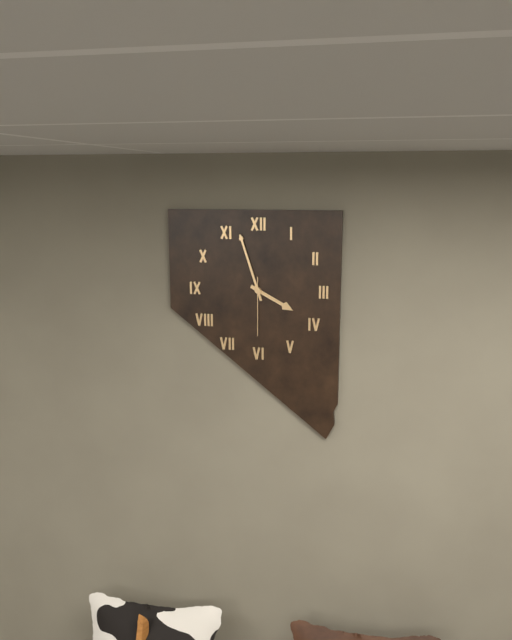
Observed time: 3:57:30
